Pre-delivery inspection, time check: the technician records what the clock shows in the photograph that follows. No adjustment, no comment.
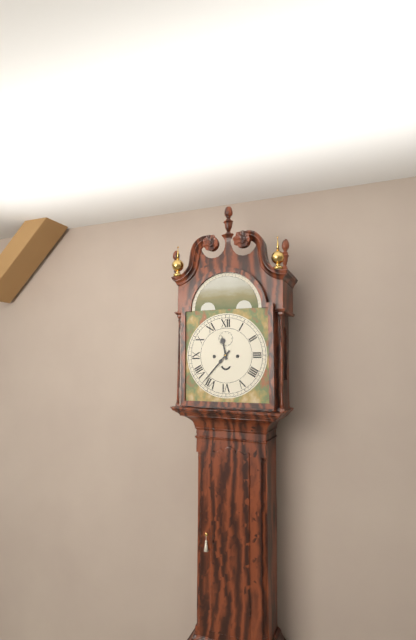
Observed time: 11:37
